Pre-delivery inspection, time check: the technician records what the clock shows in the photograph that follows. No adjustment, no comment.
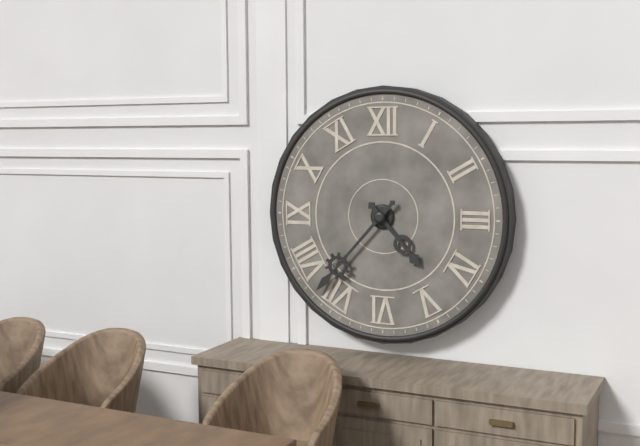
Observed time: 4:37
